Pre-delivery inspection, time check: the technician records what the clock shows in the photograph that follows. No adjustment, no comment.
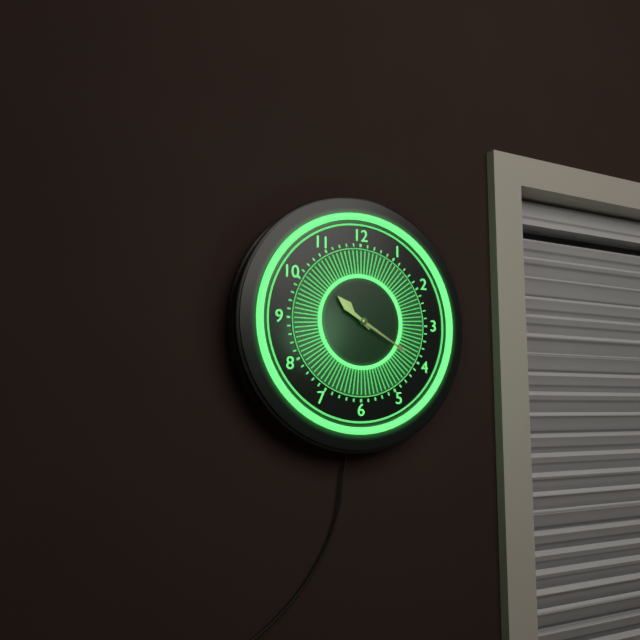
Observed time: 10:20
